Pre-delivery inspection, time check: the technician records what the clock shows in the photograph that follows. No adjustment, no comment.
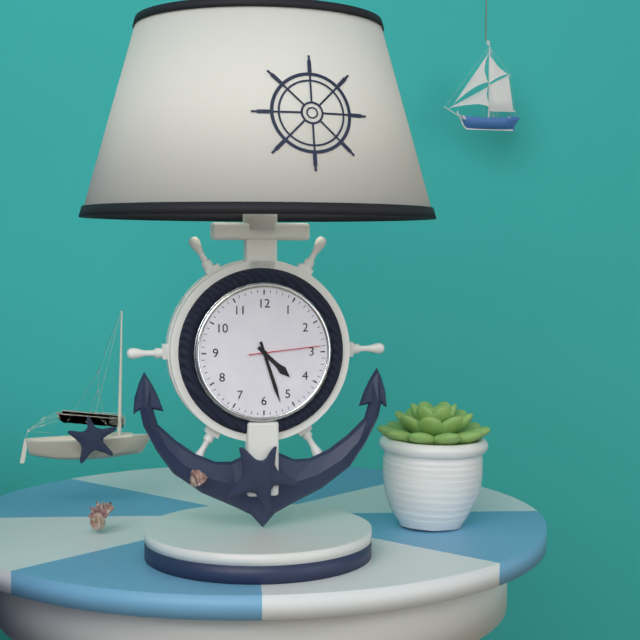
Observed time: 4:27:14
